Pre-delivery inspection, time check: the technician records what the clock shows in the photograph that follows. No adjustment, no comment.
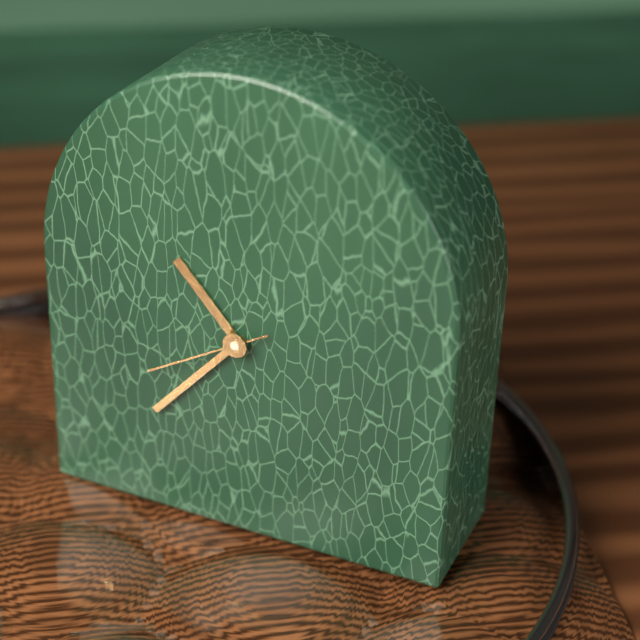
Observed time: 10:37:40
